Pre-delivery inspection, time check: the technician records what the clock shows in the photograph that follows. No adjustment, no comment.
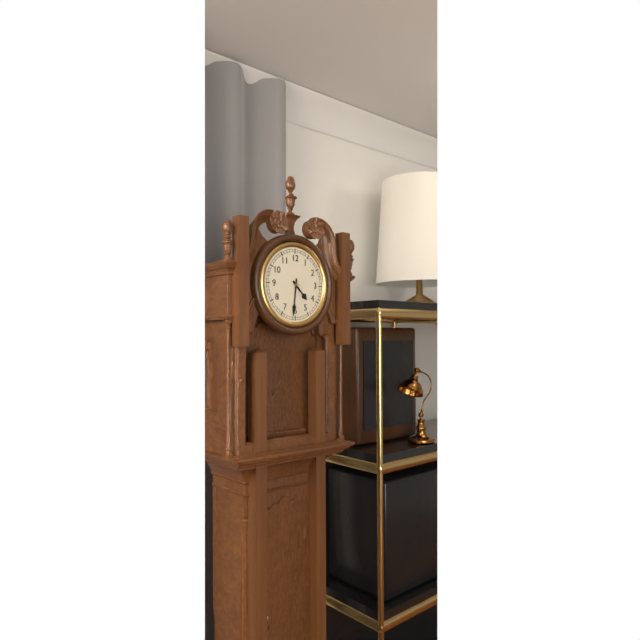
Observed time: 4:31
